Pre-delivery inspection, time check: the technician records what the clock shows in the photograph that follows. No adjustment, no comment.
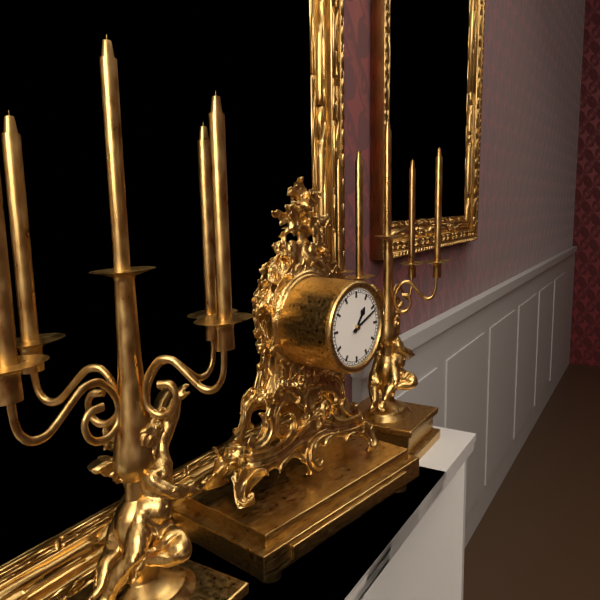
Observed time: 1:11
